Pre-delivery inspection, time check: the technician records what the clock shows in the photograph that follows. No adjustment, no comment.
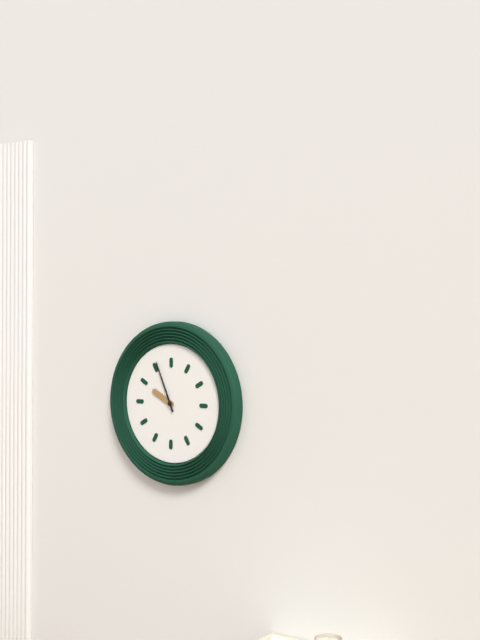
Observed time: 9:56
